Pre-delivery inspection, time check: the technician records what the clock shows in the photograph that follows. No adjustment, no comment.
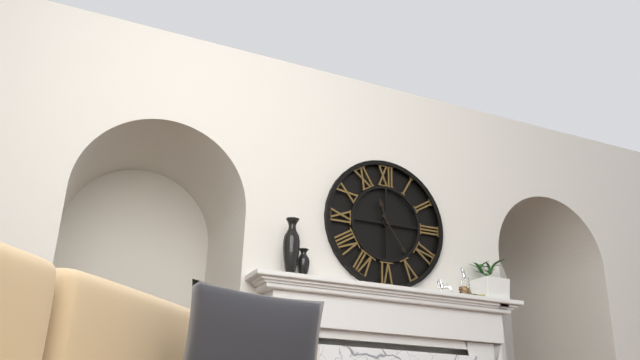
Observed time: 11:24
